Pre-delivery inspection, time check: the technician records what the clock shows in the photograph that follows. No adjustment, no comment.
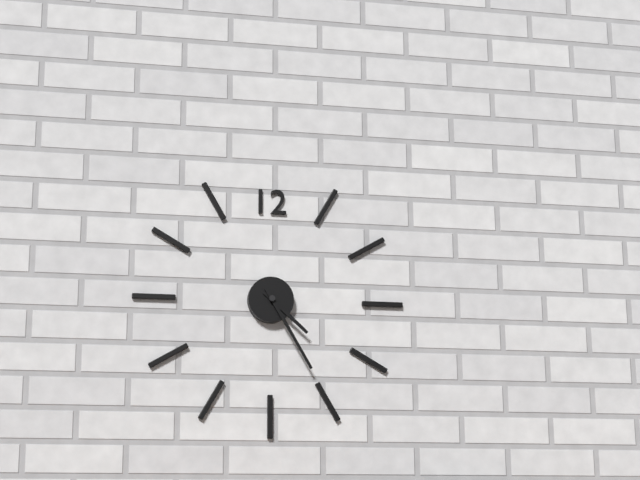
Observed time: 4:25
